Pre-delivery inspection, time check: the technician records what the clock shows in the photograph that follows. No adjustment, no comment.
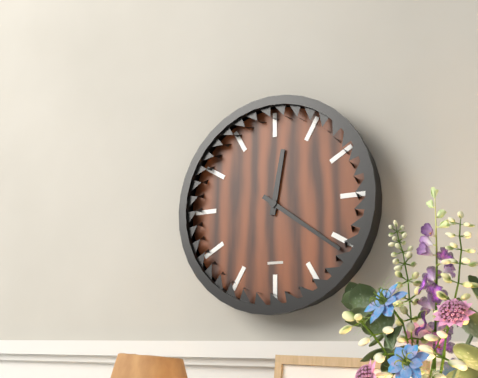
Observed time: 12:21
